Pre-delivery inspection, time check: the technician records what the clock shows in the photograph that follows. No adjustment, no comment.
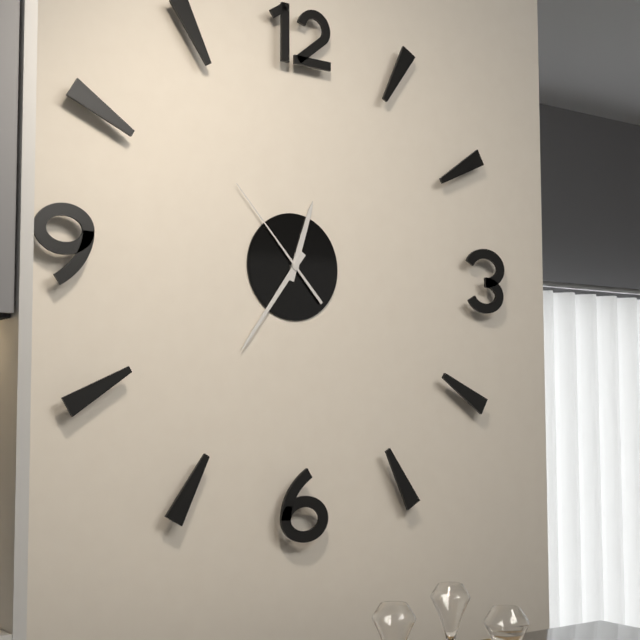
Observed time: 12:36:53
